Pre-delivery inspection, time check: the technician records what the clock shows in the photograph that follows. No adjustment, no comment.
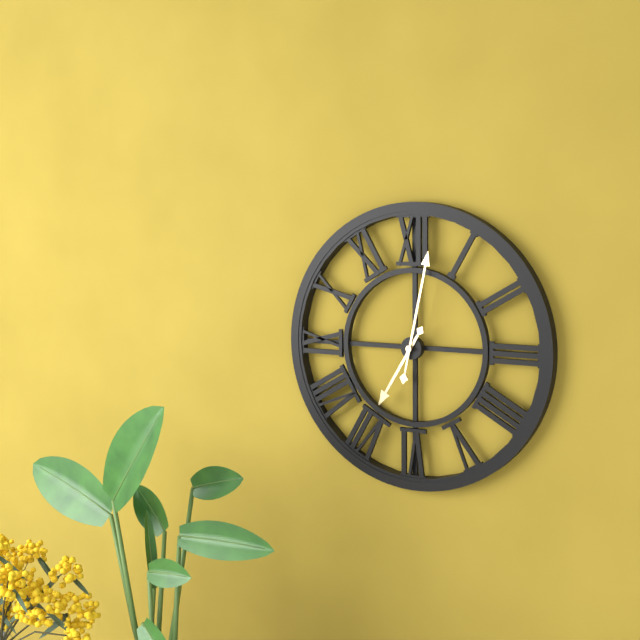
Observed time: 7:02
